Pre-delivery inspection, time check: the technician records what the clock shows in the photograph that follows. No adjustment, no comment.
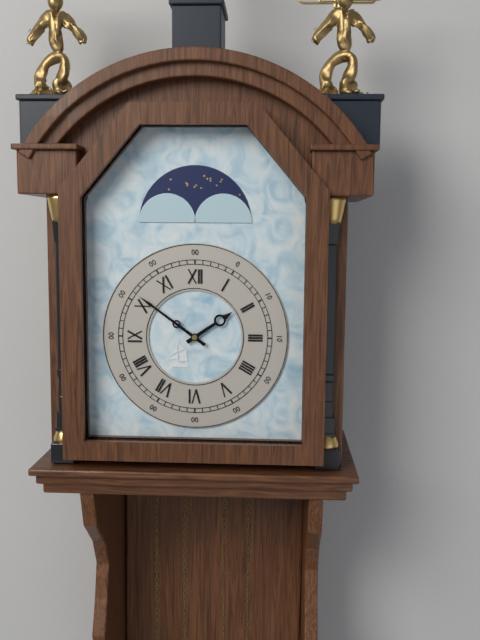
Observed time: 1:51
